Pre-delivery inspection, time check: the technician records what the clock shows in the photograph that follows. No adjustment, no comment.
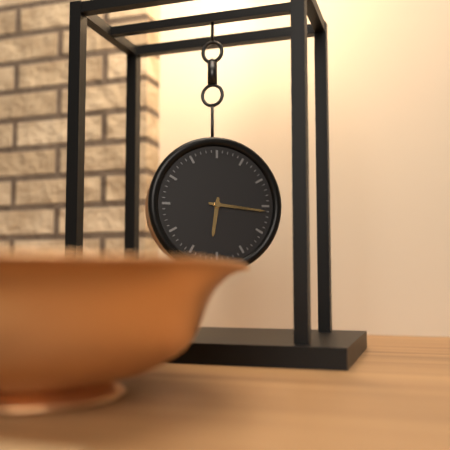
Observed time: 6:16
